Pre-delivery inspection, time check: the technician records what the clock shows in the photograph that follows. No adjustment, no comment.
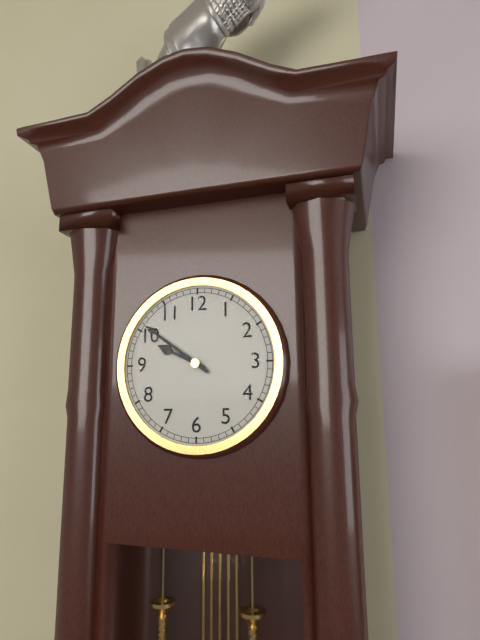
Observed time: 9:51
